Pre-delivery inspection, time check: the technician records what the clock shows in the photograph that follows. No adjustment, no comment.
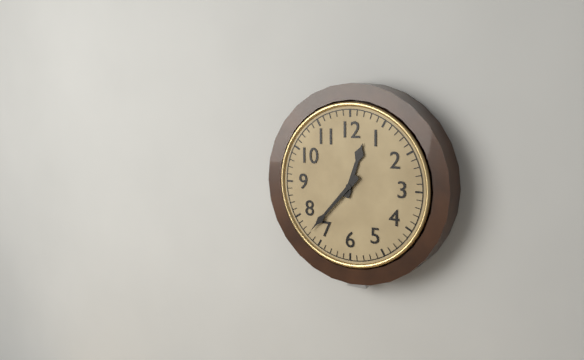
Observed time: 12:37
